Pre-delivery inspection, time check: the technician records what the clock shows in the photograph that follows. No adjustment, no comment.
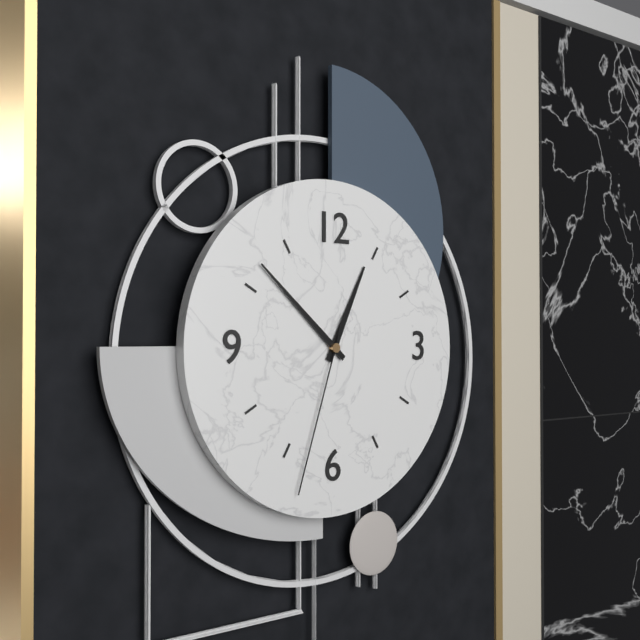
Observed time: 12:52:33
